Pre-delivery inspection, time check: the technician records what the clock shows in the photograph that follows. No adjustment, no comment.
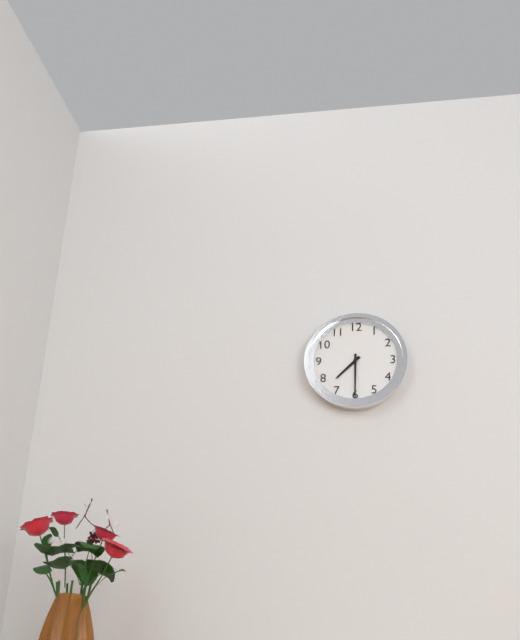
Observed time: 7:30
